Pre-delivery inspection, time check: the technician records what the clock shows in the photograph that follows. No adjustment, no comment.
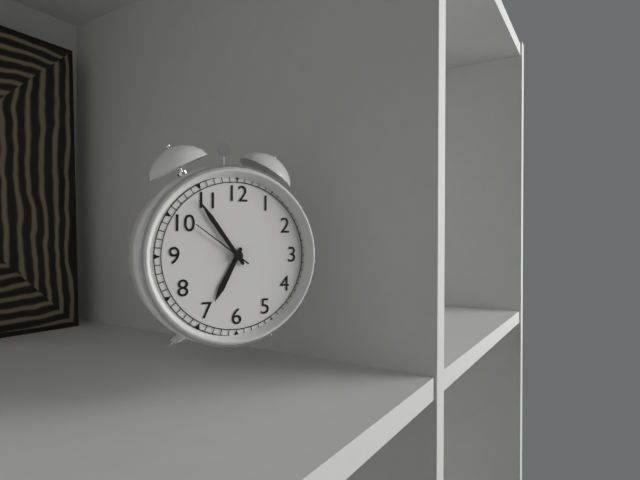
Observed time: 6:54:51
